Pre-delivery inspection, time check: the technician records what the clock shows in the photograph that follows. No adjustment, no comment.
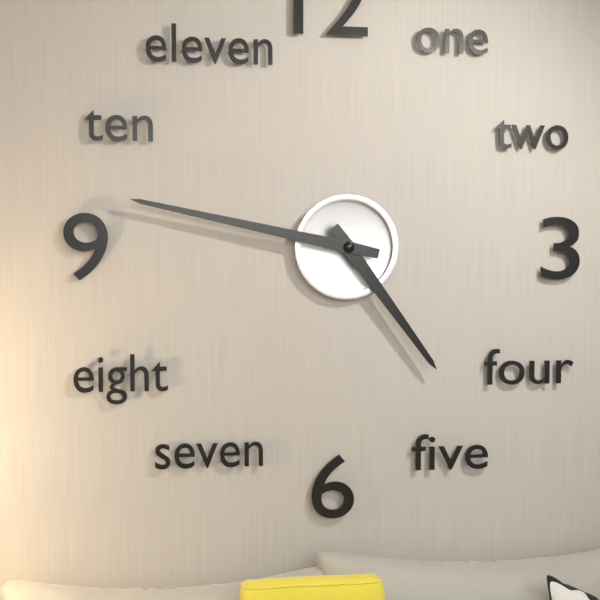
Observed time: 4:47
